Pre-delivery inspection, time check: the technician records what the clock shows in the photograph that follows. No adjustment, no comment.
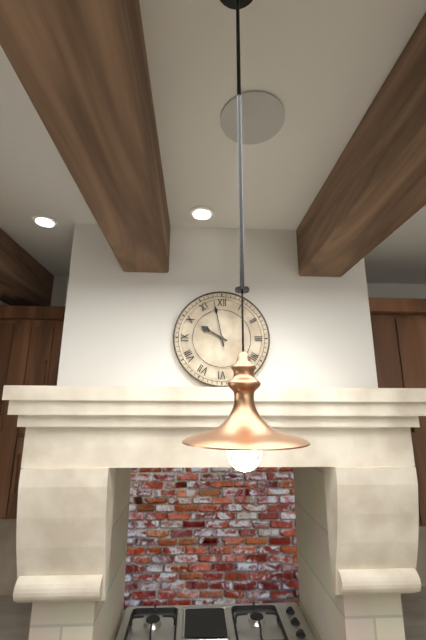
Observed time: 9:58
